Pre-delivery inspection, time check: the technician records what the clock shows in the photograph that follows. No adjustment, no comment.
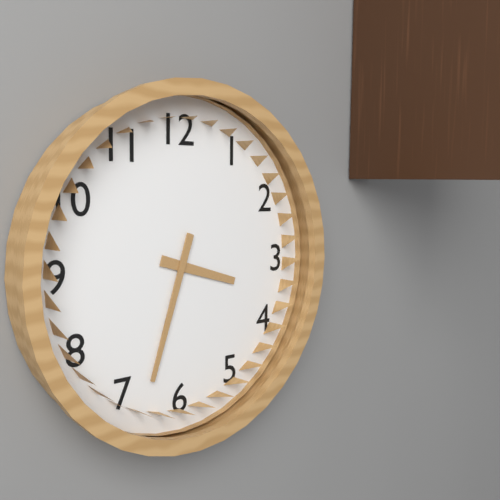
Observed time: 3:33
